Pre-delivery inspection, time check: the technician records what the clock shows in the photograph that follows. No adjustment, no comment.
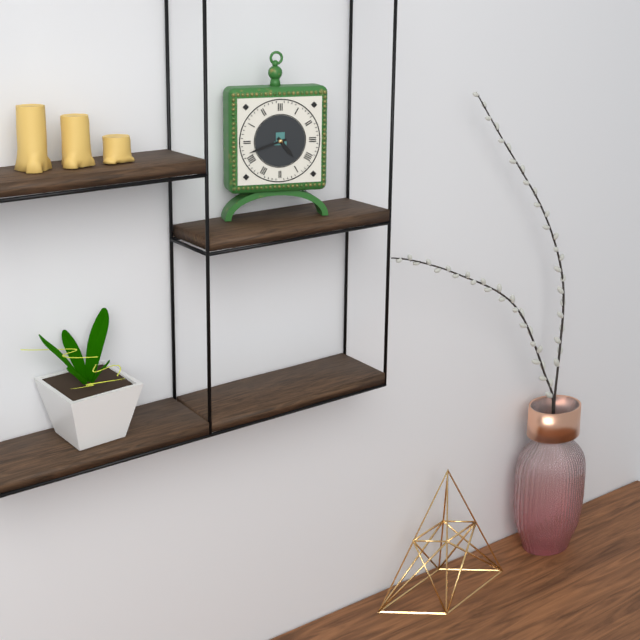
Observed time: 4:42
